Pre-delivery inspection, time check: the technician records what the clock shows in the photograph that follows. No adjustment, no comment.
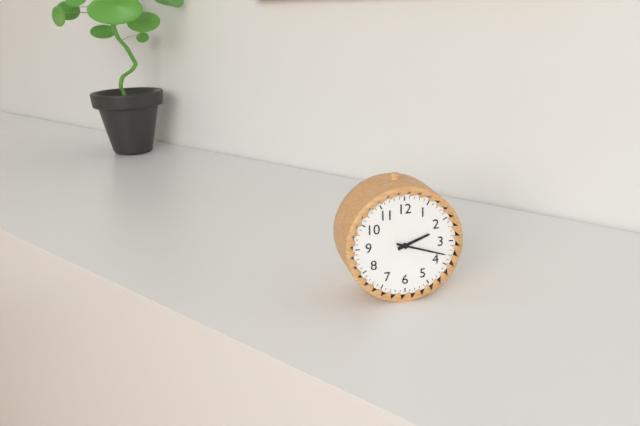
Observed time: 2:18
